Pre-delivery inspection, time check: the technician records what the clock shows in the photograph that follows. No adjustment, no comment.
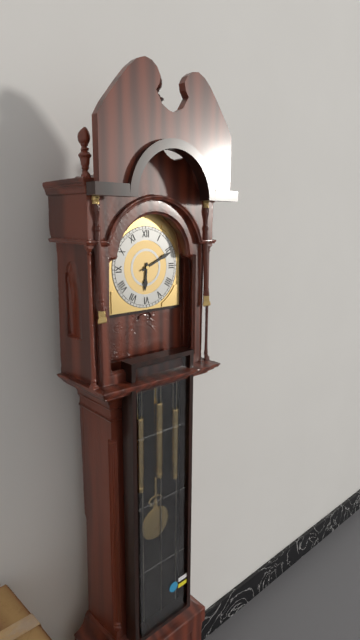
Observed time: 6:11
